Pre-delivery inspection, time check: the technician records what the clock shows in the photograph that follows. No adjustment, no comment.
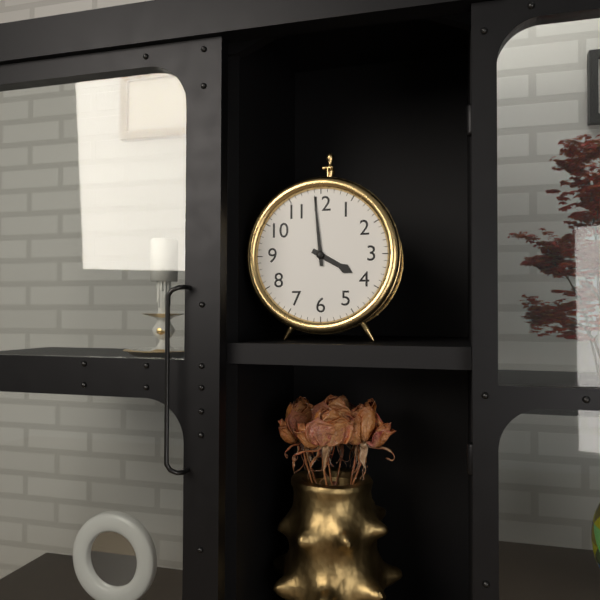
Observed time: 3:59
